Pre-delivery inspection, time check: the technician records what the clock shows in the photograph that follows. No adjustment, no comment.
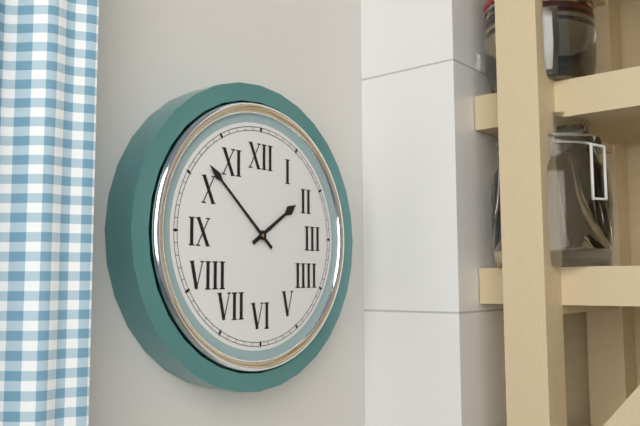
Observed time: 1:52
